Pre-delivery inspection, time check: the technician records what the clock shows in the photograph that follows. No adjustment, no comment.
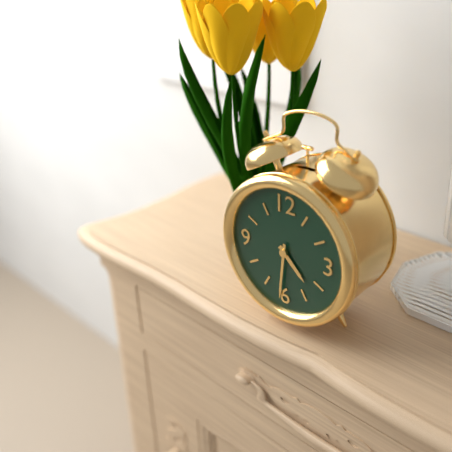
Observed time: 4:31
